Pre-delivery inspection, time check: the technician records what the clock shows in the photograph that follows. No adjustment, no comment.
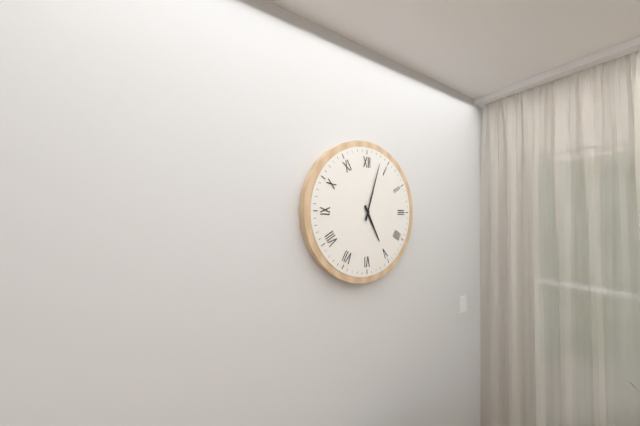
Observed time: 5:03
